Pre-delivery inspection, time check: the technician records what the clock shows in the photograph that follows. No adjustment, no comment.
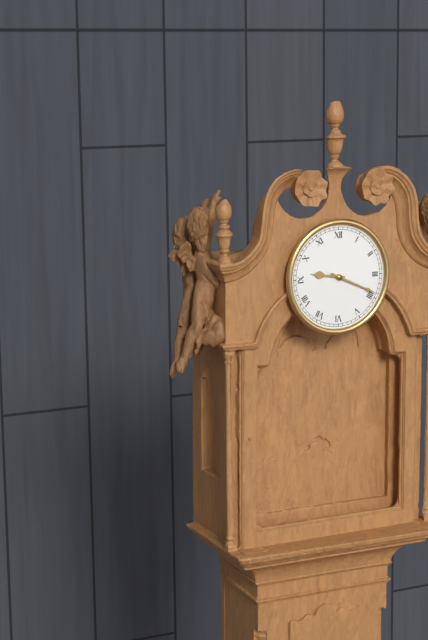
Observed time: 9:19
